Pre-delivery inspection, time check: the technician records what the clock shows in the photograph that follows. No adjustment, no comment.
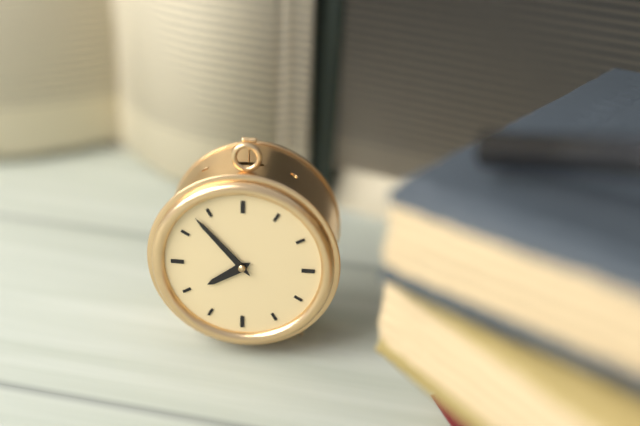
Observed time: 7:53
